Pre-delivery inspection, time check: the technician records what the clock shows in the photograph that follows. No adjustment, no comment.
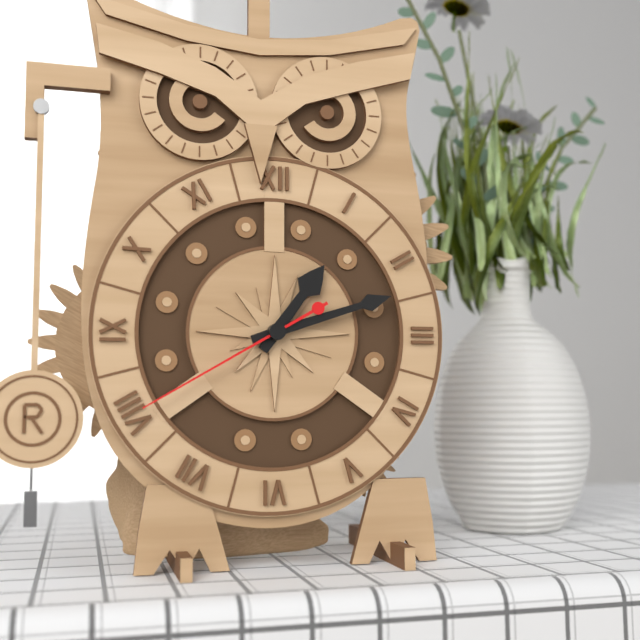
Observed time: 1:12:40
